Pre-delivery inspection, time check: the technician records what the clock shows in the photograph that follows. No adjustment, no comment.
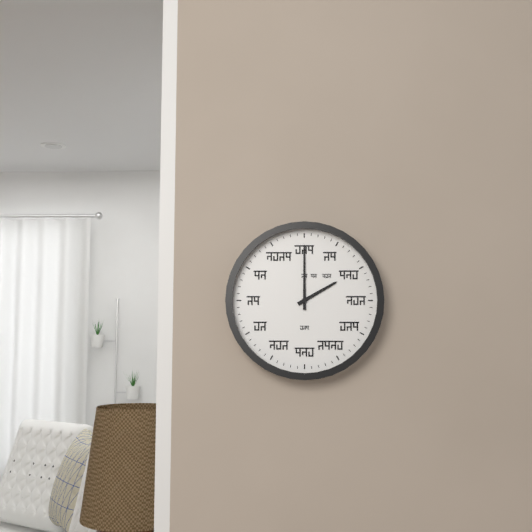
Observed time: 2:00
